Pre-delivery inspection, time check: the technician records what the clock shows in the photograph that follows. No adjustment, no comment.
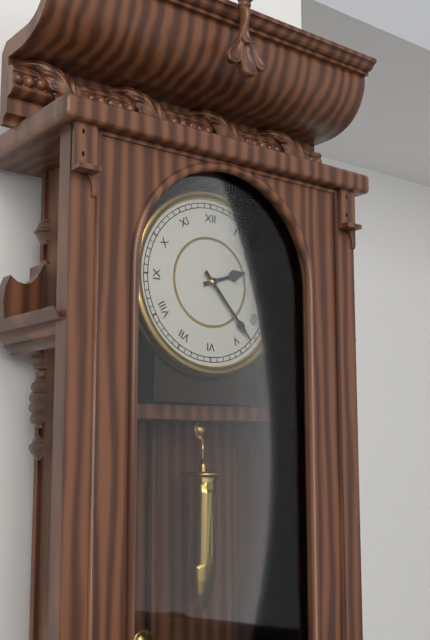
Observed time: 2:23
